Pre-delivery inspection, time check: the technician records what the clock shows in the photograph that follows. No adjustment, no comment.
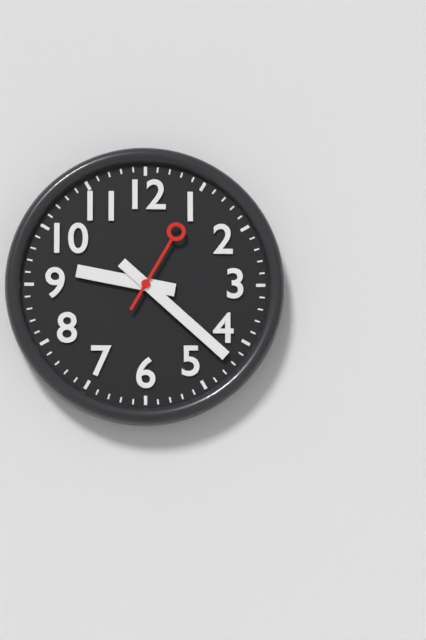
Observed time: 9:22:05
